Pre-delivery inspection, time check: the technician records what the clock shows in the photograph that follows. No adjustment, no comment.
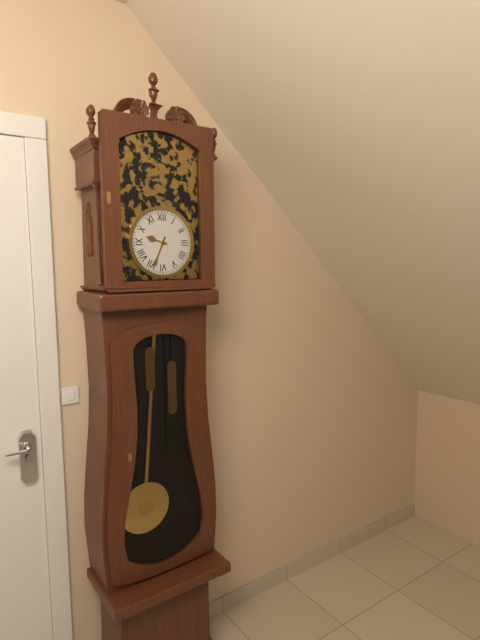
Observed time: 9:34
